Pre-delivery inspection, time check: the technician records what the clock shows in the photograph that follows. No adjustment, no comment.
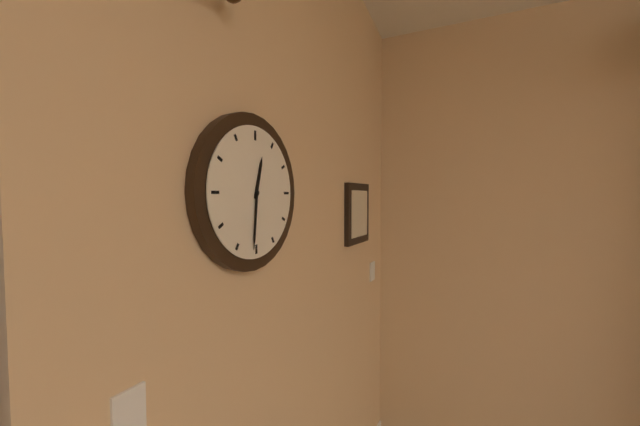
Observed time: 12:31
